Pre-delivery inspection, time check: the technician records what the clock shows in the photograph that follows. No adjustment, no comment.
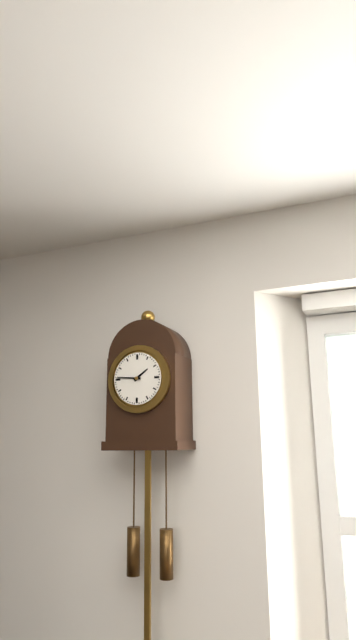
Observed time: 1:46
